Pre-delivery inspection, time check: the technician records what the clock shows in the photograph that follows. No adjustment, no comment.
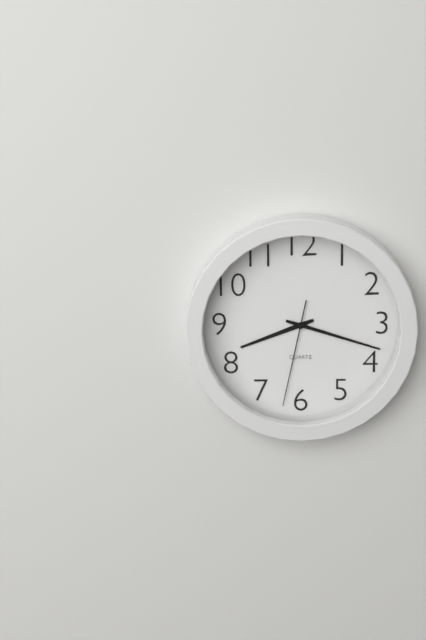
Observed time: 8:18:32
